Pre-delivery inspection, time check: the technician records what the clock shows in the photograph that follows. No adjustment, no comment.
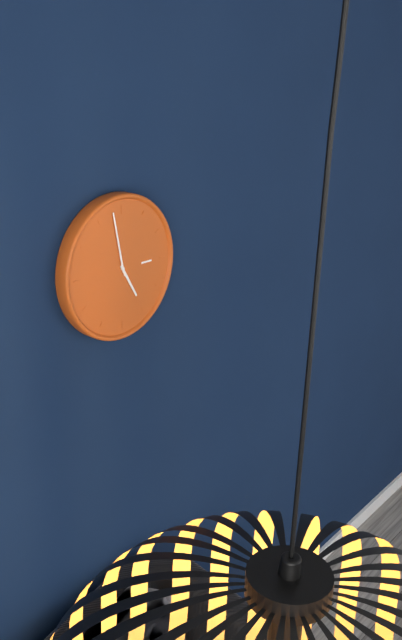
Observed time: 4:58:58
